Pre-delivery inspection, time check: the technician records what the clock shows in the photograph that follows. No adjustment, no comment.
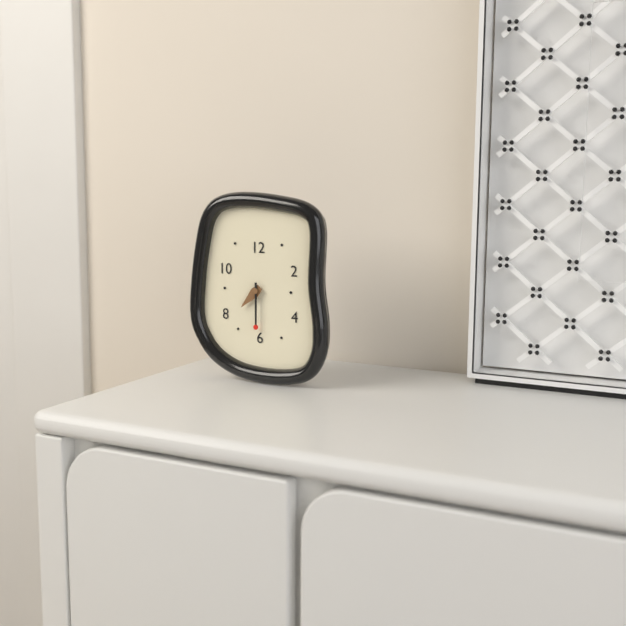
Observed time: 7:30
